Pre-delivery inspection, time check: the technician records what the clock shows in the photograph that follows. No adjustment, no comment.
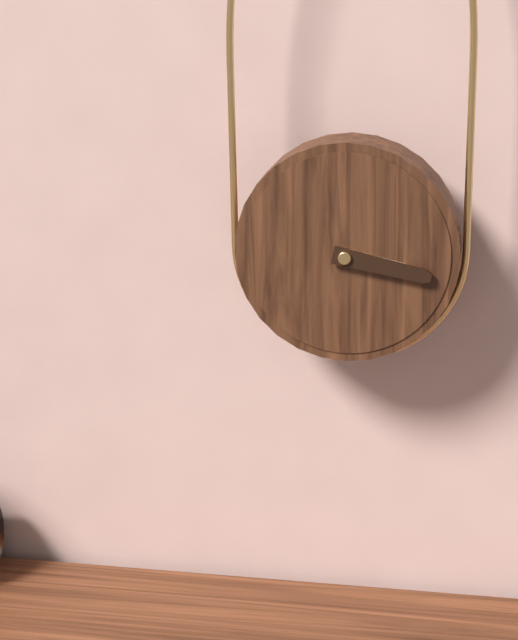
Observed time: 3:17
